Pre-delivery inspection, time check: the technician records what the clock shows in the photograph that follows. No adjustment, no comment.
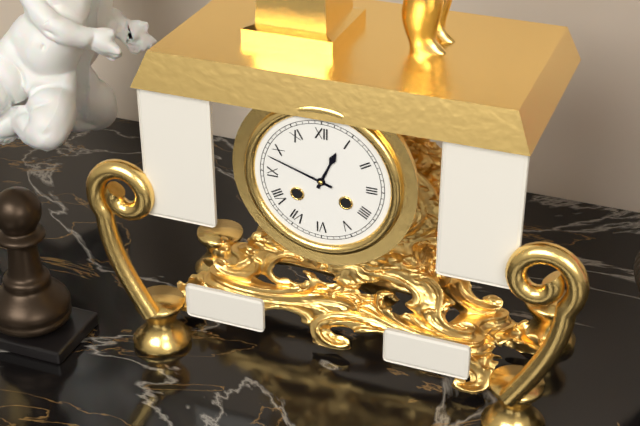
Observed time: 12:48
